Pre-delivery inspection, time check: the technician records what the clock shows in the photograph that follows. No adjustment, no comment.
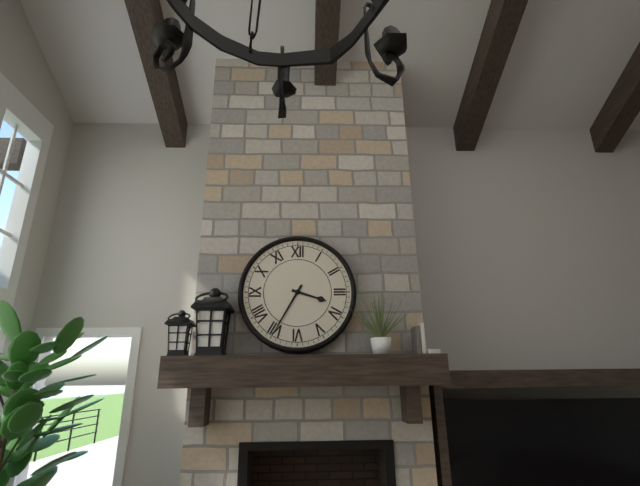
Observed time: 3:35
